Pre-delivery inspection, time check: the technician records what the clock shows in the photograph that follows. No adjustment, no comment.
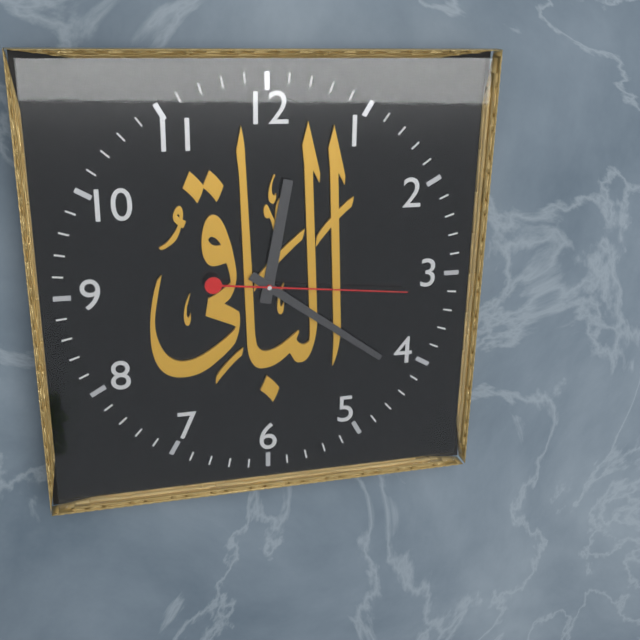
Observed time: 12:21:16
